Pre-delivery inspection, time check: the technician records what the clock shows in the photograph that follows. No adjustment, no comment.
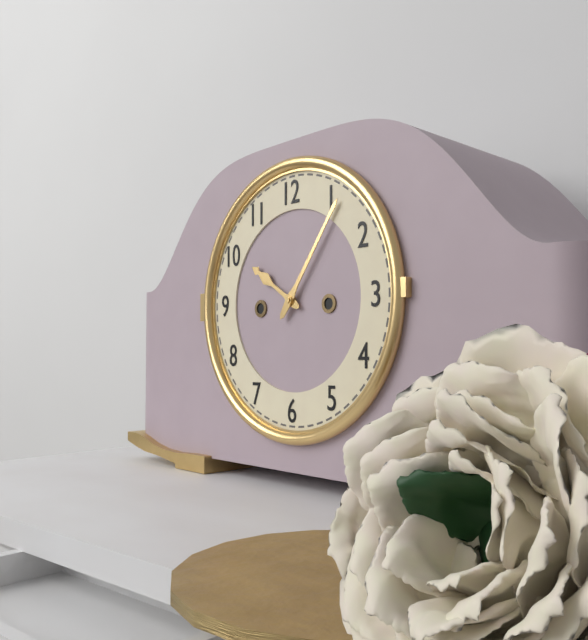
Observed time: 10:06
